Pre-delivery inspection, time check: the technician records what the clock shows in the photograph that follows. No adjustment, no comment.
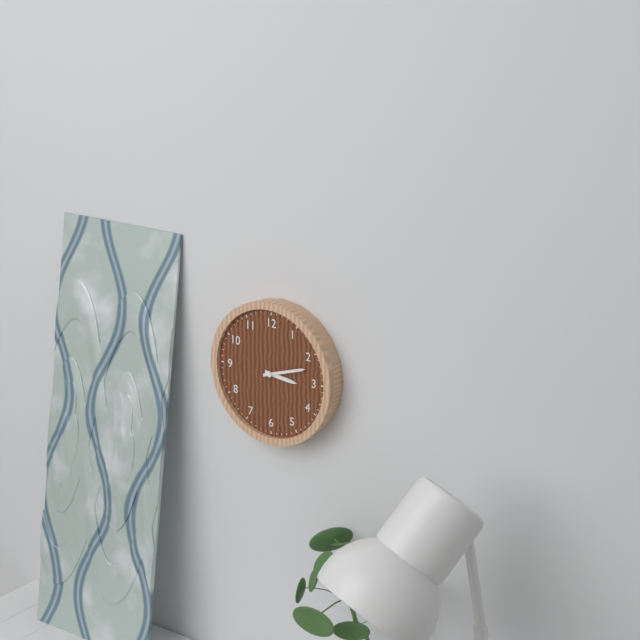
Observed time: 3:12
